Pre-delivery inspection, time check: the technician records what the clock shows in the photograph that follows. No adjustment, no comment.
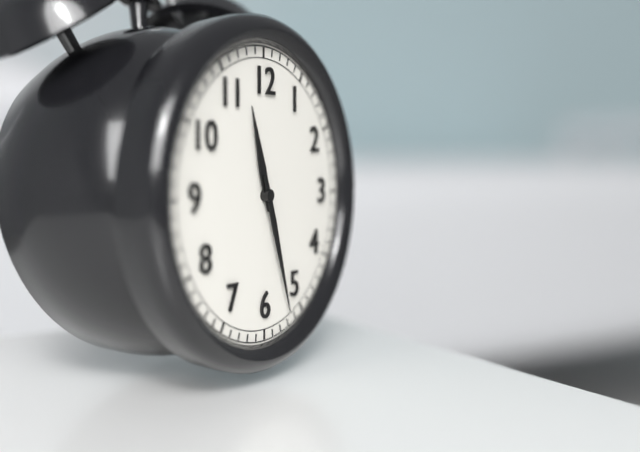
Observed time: 11:27
